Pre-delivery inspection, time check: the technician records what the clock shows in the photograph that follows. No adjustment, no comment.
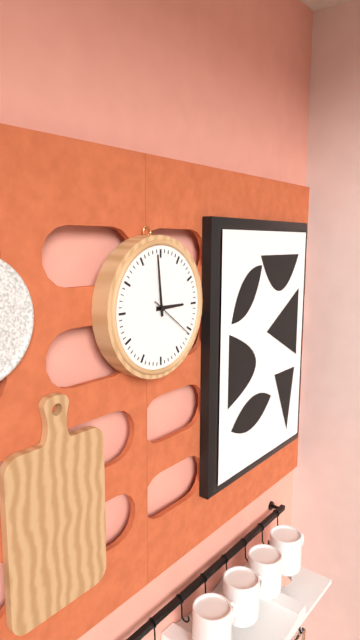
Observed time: 2:59
